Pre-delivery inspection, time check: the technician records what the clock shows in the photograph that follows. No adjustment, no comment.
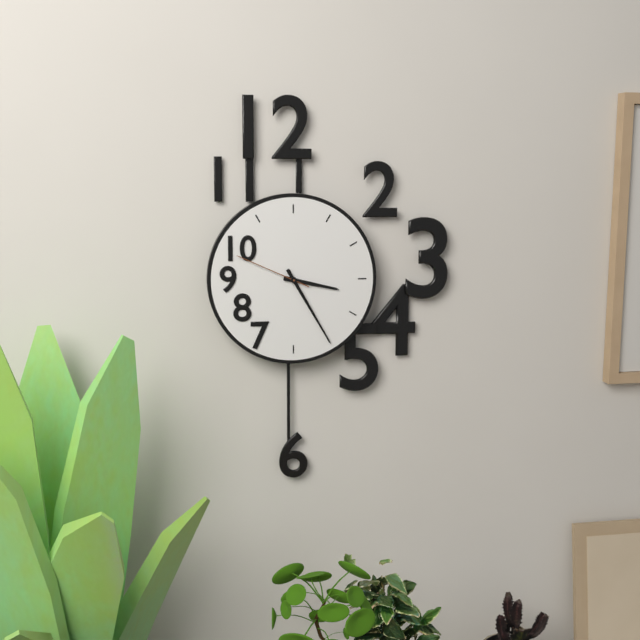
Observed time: 3:25:49
